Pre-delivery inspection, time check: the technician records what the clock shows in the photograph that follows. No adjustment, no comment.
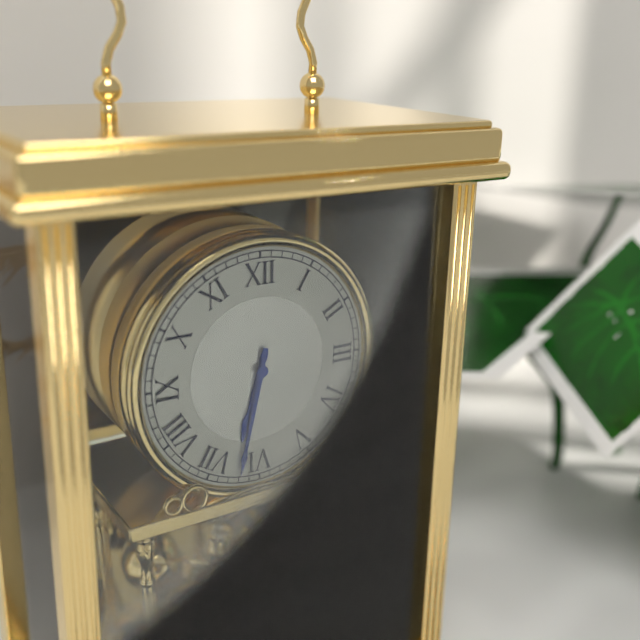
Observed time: 6:32
